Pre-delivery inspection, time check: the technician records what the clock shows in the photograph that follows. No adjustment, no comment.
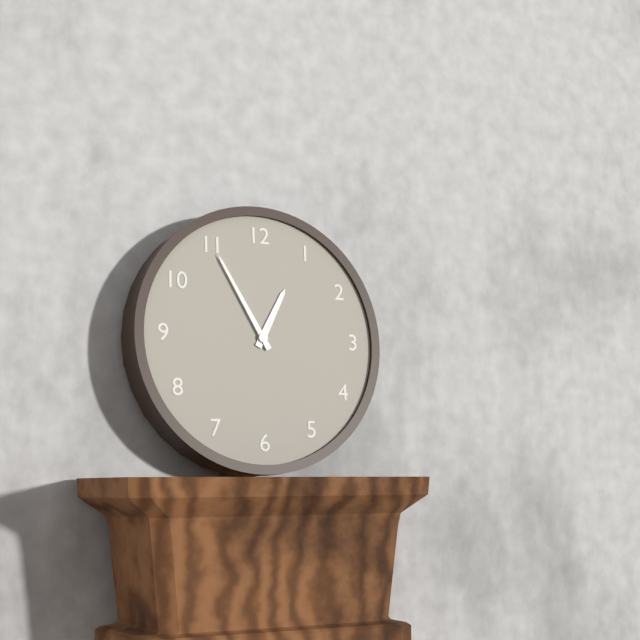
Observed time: 12:55
